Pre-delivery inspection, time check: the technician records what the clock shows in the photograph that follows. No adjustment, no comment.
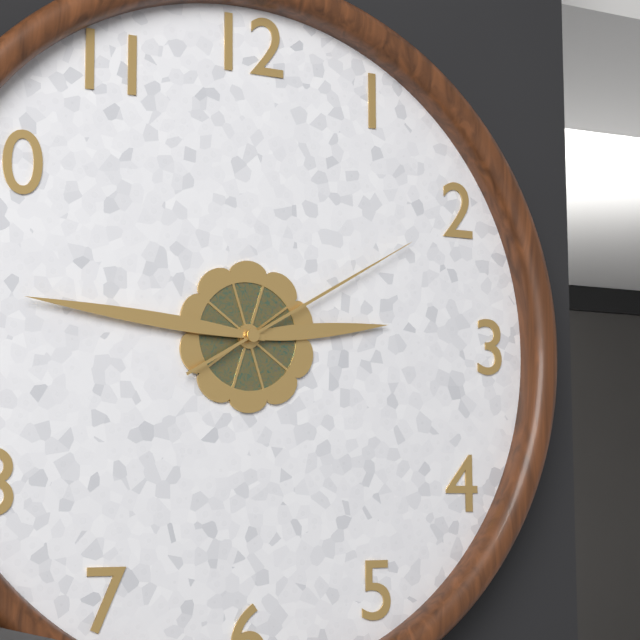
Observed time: 2:46:10
